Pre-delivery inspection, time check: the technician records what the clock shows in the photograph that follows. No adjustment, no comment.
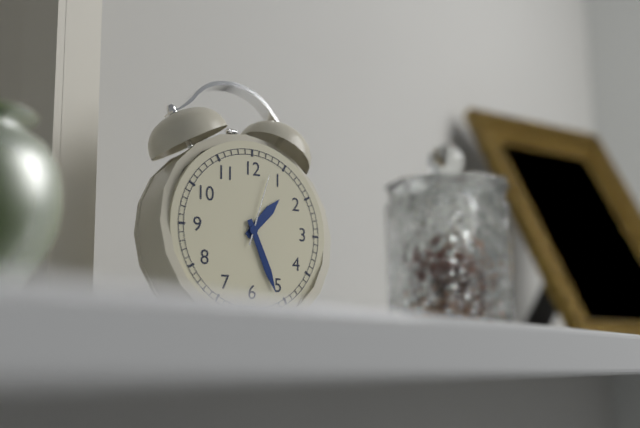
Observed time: 1:26:03
